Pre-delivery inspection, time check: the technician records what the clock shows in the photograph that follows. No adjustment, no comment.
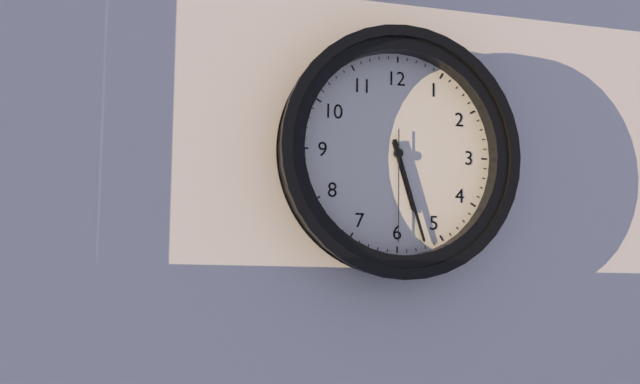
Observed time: 5:27:30
